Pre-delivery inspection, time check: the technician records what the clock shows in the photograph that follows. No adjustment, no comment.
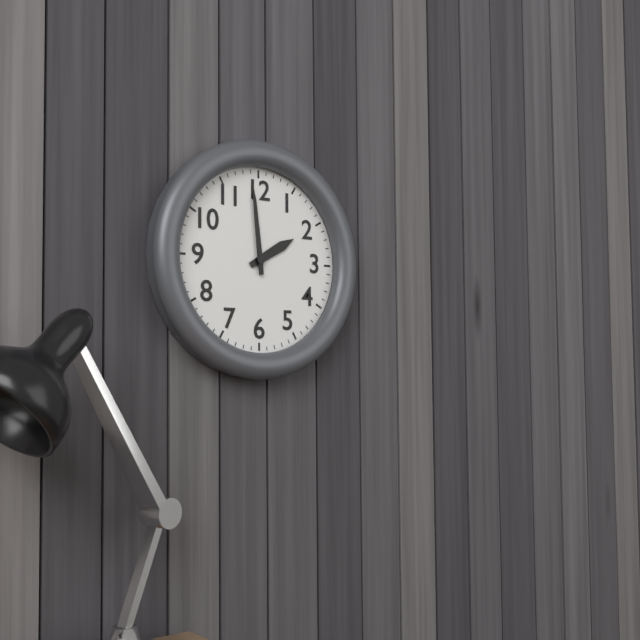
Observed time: 1:59
